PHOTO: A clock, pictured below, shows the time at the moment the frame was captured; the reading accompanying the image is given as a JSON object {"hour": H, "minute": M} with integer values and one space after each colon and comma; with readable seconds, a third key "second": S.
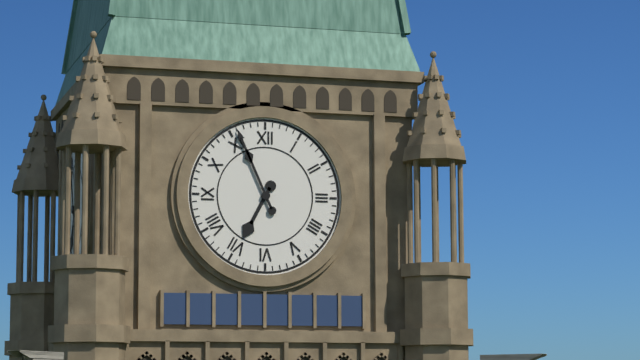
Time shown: {"hour": 6, "minute": 56}
